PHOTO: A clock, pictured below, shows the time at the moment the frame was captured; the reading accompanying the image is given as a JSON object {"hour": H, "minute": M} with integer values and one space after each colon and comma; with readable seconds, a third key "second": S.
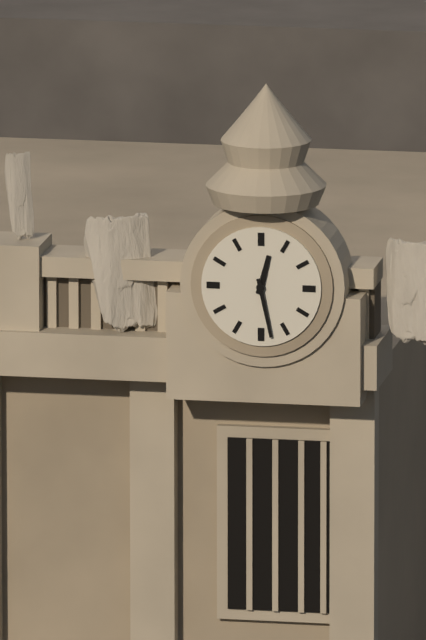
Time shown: {"hour": 12, "minute": 28}
